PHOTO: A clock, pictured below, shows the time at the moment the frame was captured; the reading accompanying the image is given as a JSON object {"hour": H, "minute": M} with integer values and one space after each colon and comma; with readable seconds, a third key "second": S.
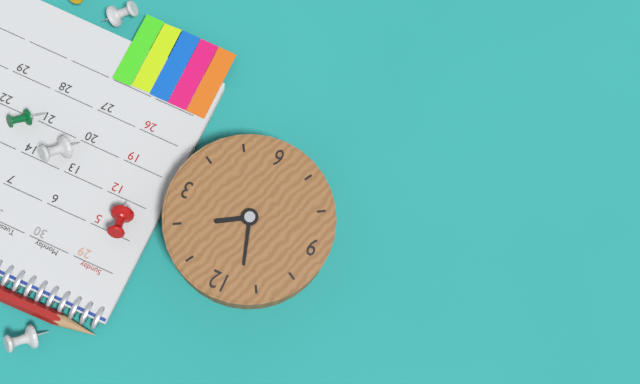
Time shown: {"hour": 1, "minute": 57}
